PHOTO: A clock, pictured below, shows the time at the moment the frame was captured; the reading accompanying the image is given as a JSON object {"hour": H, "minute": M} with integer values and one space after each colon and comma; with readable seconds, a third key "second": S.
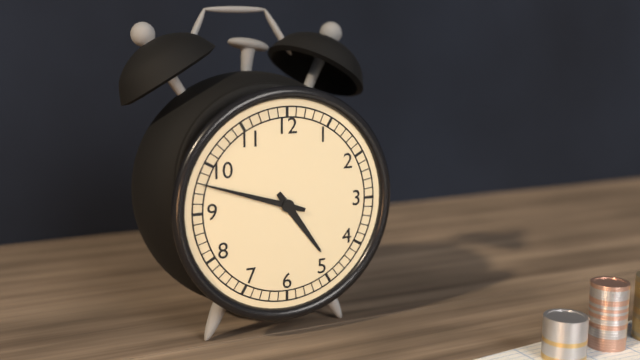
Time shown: {"hour": 4, "minute": 48}
